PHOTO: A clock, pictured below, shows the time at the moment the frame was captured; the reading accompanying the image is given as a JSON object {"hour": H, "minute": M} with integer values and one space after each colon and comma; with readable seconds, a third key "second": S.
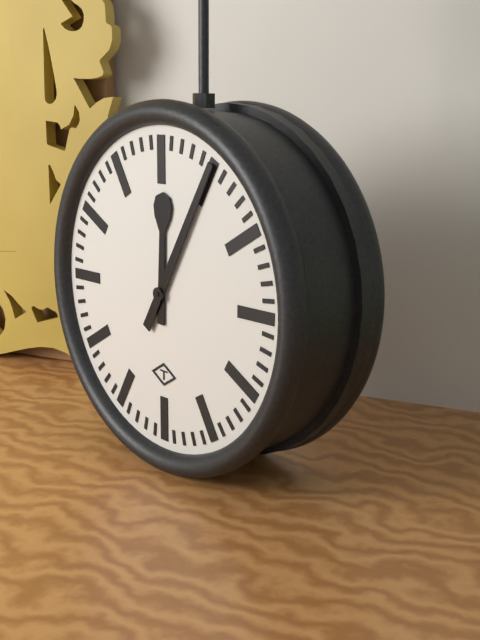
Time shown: {"hour": 12, "minute": 5}
